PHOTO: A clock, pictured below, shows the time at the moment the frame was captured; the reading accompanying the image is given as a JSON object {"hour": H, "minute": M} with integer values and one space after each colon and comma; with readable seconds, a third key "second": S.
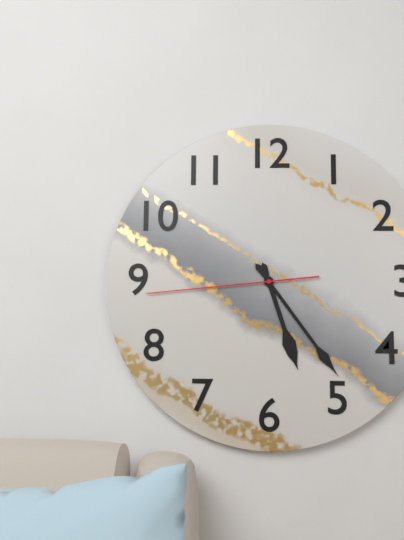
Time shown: {"hour": 5, "minute": 24, "second": 44}
